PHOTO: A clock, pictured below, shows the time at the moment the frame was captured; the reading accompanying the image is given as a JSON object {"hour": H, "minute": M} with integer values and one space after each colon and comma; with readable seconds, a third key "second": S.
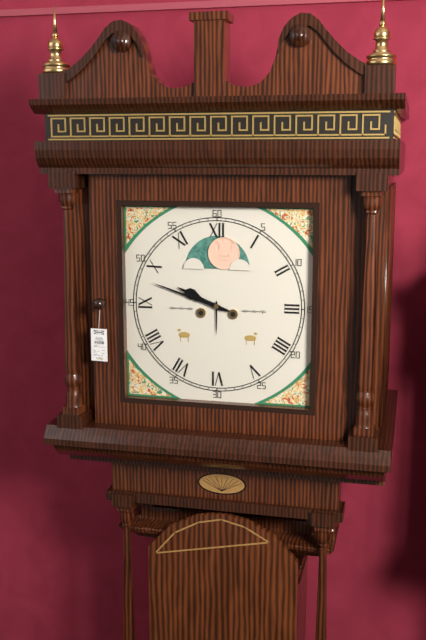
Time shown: {"hour": 9, "minute": 48}
